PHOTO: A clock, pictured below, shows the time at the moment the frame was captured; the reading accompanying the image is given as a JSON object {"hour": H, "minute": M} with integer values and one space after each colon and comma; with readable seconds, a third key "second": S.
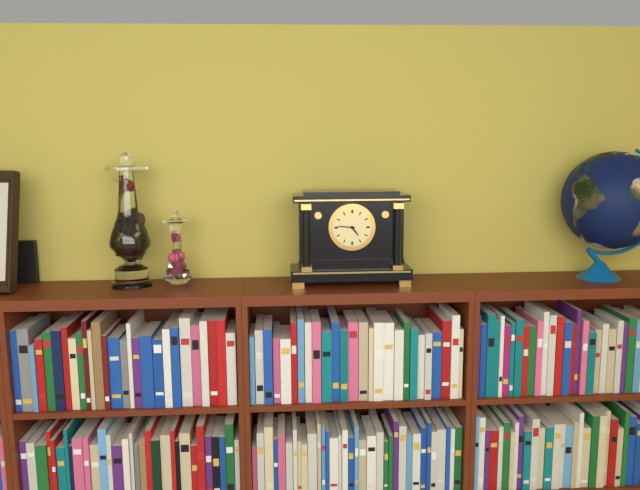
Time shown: {"hour": 4, "minute": 46}
